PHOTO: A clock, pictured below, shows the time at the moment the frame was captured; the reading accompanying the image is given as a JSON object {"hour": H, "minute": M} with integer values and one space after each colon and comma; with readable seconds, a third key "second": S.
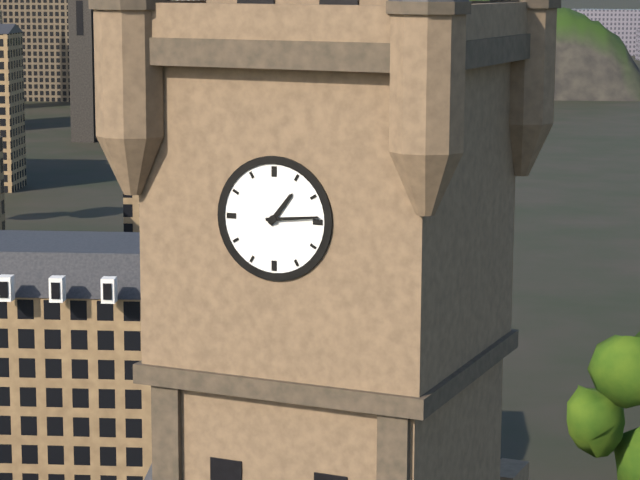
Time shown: {"hour": 1, "minute": 14}
